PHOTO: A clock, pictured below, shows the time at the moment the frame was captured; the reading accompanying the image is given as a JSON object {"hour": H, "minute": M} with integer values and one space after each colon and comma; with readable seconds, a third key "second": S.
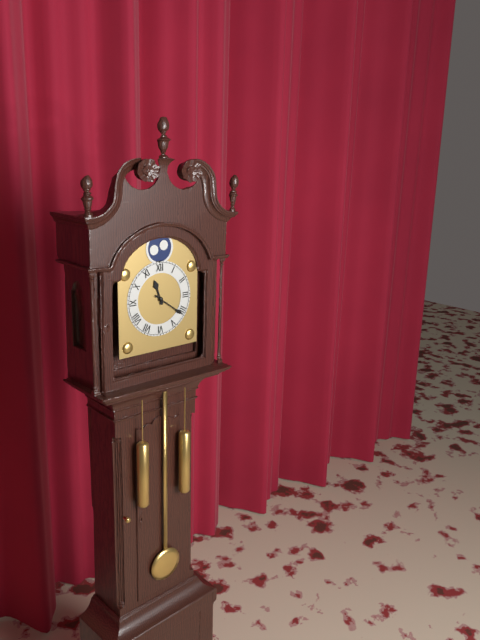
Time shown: {"hour": 11, "minute": 21}
